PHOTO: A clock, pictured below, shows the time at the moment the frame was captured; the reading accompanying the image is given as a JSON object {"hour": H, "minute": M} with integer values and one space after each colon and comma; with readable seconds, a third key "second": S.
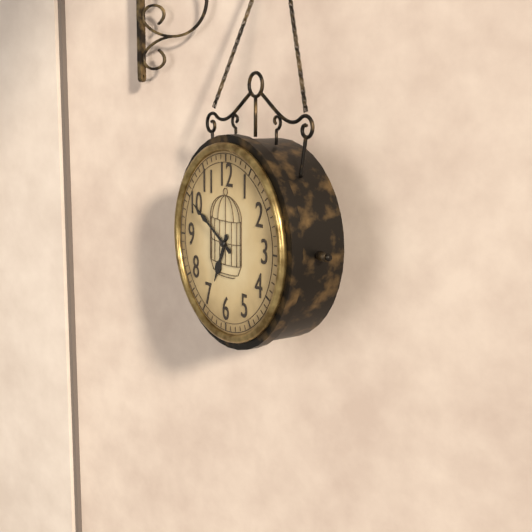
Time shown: {"hour": 6, "minute": 50}
